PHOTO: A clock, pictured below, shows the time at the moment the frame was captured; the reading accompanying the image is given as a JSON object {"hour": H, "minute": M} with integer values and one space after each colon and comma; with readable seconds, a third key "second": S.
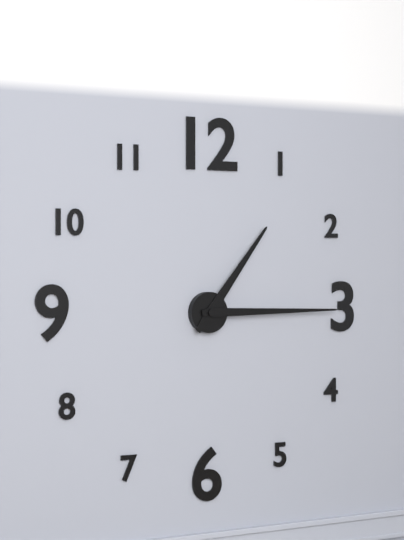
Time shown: {"hour": 1, "minute": 15}
